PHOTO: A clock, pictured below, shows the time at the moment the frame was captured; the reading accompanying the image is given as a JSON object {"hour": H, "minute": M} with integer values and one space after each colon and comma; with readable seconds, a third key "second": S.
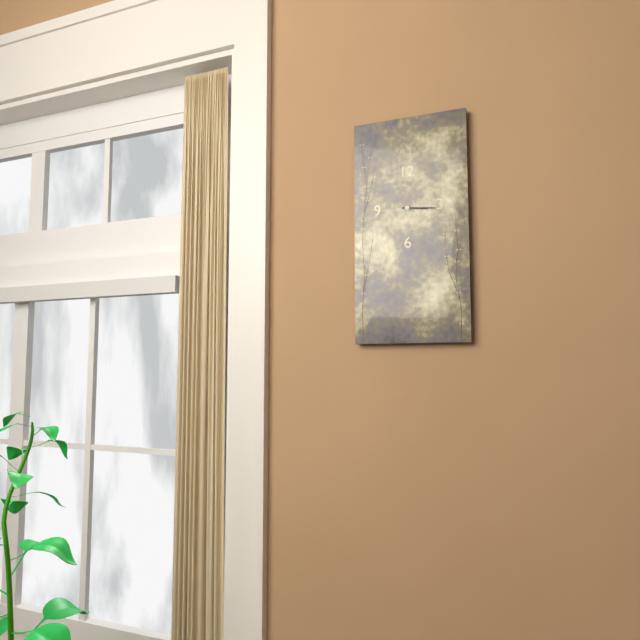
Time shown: {"hour": 3, "minute": 16}
